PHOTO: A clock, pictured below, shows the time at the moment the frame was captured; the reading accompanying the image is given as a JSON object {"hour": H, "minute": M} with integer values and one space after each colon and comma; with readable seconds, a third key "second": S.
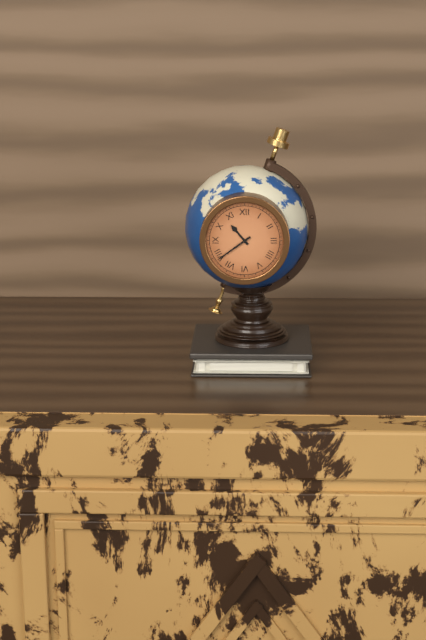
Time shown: {"hour": 10, "minute": 39}
